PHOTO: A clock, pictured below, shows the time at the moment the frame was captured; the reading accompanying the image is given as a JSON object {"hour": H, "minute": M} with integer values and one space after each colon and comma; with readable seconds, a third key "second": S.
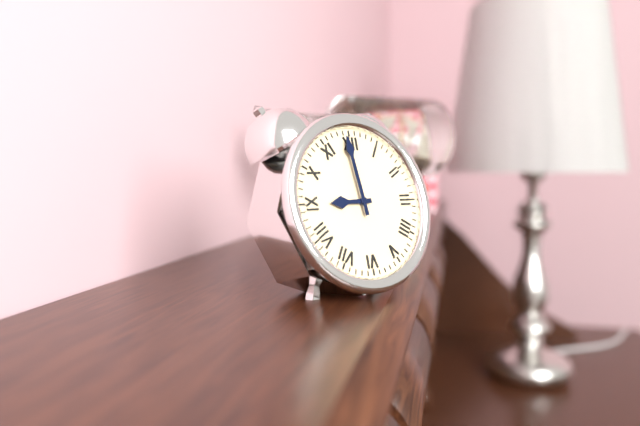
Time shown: {"hour": 8, "minute": 59}
